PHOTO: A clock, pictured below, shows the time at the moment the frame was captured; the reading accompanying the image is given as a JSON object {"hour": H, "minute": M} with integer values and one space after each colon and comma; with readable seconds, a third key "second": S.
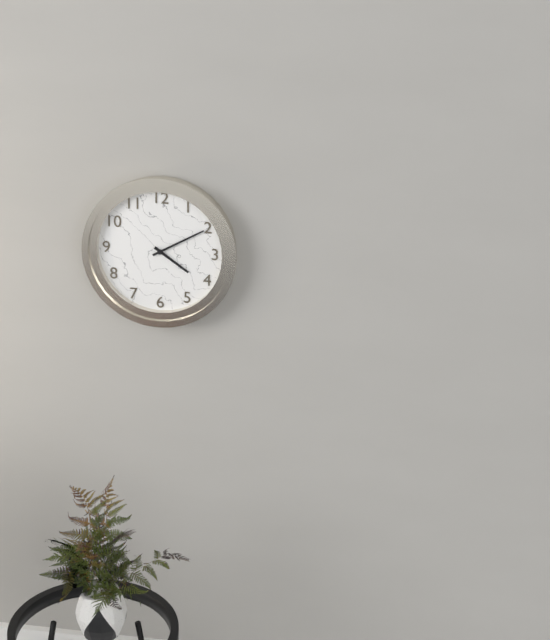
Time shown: {"hour": 4, "minute": 10}
